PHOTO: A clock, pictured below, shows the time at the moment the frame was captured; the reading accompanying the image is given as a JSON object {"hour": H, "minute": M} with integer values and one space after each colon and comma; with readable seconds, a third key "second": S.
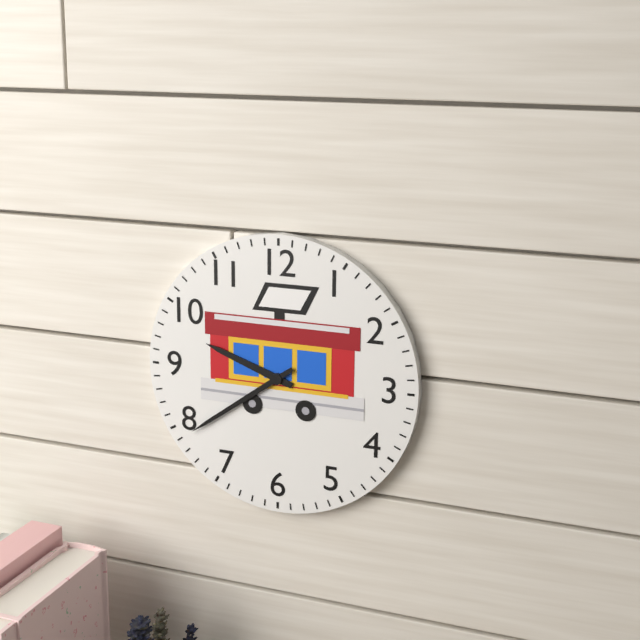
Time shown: {"hour": 9, "minute": 39}
